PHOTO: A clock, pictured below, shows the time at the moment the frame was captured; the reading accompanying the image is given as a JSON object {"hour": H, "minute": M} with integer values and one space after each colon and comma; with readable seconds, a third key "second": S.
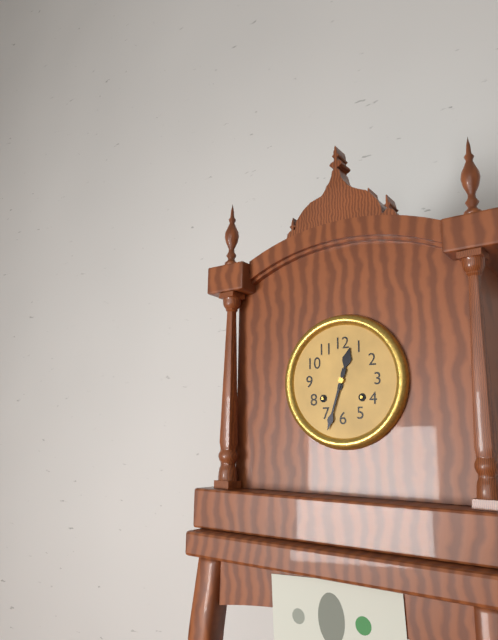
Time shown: {"hour": 12, "minute": 33}
